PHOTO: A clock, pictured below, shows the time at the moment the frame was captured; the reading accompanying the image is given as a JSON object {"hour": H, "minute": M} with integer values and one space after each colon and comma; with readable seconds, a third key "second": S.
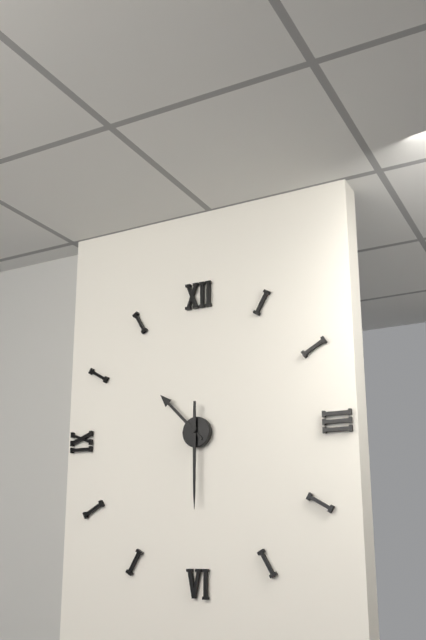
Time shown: {"hour": 10, "minute": 30}
